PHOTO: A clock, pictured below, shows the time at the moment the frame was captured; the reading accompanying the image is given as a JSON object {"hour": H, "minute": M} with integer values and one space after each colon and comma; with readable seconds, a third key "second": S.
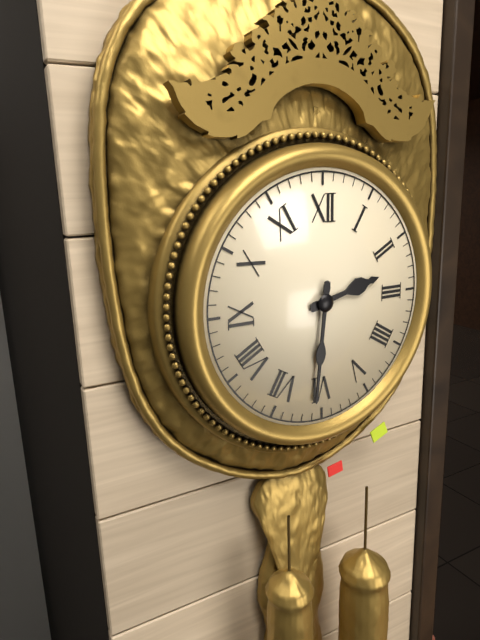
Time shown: {"hour": 2, "minute": 31}
